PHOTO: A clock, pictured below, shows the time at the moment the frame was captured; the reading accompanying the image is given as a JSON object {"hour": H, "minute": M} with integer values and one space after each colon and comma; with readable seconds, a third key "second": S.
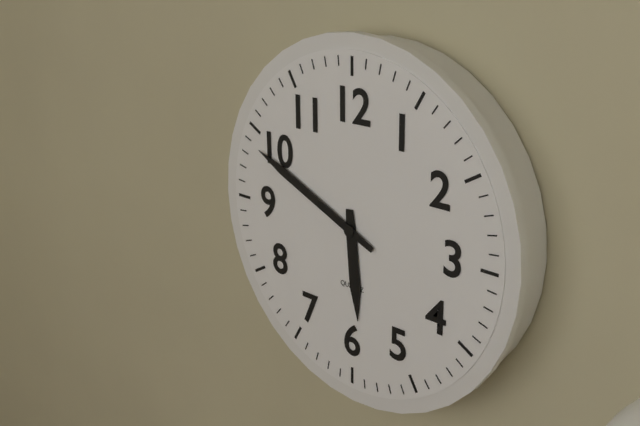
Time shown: {"hour": 5, "minute": 49}
